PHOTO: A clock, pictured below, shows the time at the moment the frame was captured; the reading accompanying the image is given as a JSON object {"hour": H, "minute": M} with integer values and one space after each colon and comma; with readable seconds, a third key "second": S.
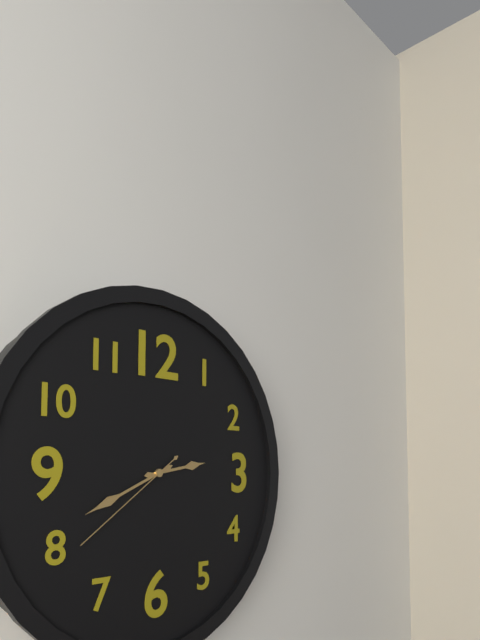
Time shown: {"hour": 2, "minute": 41, "second": 39}
